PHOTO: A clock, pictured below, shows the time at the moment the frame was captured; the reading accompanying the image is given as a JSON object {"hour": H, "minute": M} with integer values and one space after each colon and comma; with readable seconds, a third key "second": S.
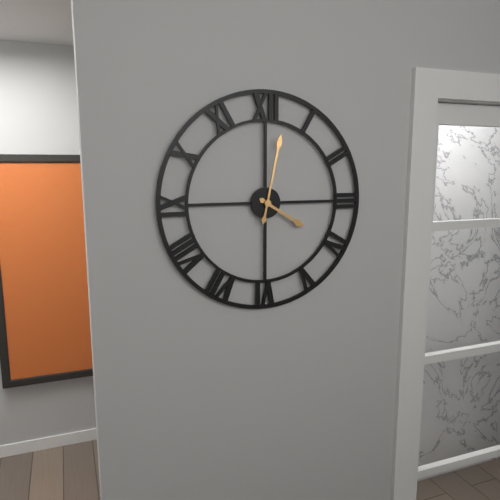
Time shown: {"hour": 4, "minute": 2}
